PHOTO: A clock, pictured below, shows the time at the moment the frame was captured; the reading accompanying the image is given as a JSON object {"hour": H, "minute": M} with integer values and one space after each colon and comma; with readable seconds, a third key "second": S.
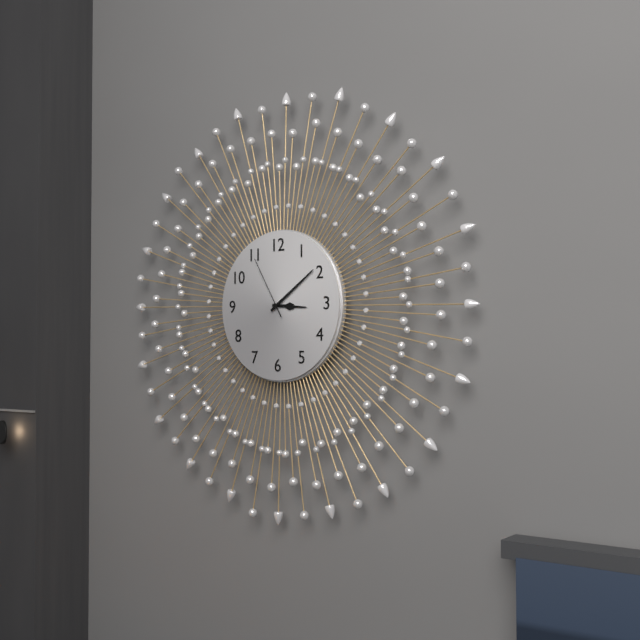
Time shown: {"hour": 3, "minute": 9, "second": 55}
